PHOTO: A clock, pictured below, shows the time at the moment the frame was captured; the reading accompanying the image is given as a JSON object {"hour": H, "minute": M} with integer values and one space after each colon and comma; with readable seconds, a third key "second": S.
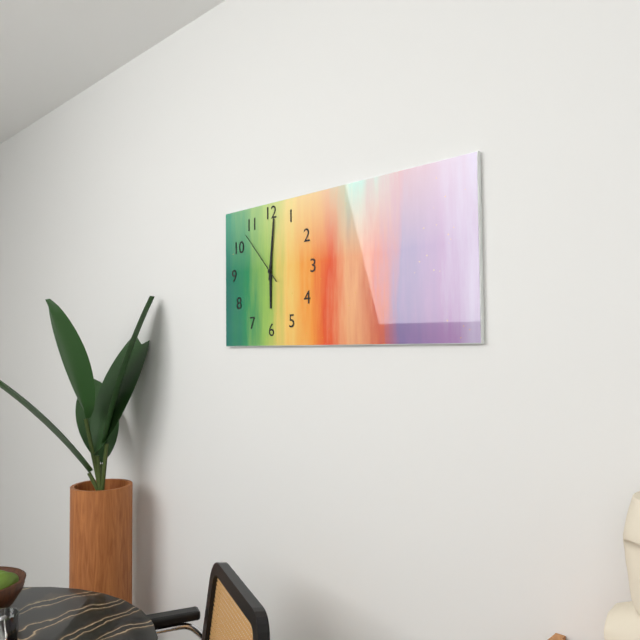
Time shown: {"hour": 6, "minute": 1, "second": 53}
